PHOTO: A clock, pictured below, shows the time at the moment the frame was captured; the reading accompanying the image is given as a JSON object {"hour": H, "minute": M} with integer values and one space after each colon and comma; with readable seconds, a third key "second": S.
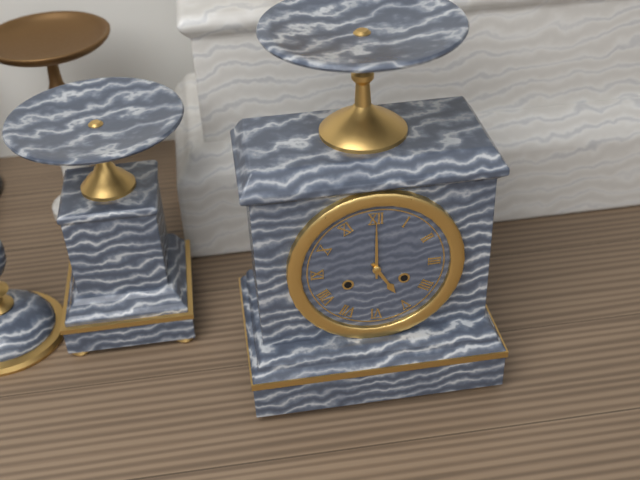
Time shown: {"hour": 5, "minute": 0}
